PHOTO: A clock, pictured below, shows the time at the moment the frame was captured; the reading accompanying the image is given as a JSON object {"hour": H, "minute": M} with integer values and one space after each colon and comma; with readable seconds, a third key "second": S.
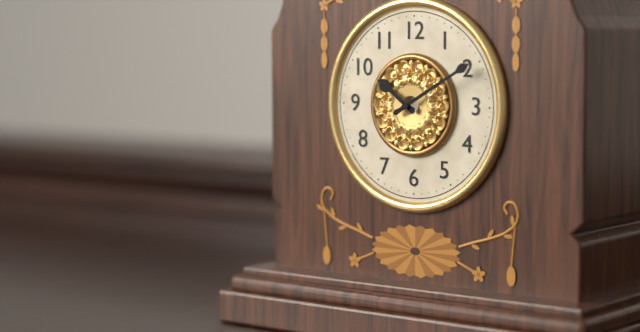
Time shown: {"hour": 10, "minute": 10}
